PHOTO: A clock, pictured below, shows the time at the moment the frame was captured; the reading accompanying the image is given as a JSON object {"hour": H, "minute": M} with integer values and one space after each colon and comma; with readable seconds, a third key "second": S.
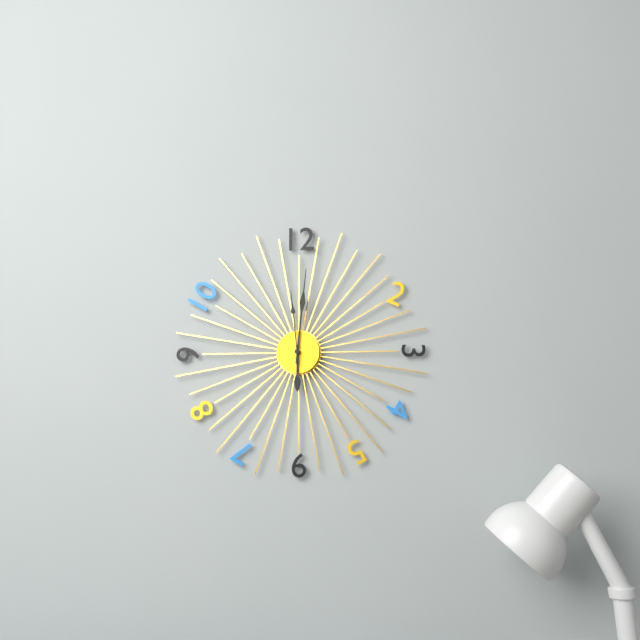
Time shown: {"hour": 6, "minute": 1, "second": 59}
